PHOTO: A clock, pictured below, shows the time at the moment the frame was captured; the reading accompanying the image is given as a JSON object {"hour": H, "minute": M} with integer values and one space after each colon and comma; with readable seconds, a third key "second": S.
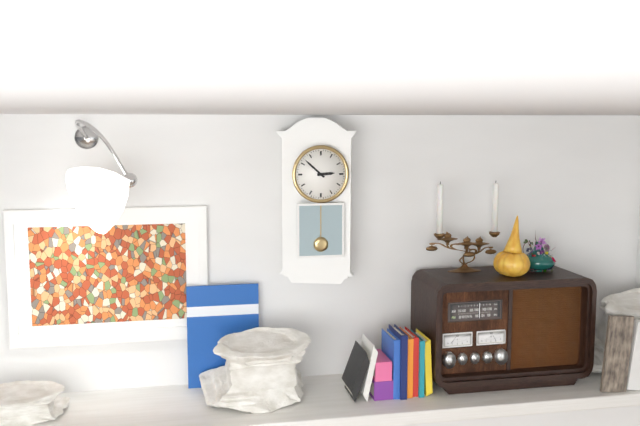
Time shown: {"hour": 2, "minute": 52}
